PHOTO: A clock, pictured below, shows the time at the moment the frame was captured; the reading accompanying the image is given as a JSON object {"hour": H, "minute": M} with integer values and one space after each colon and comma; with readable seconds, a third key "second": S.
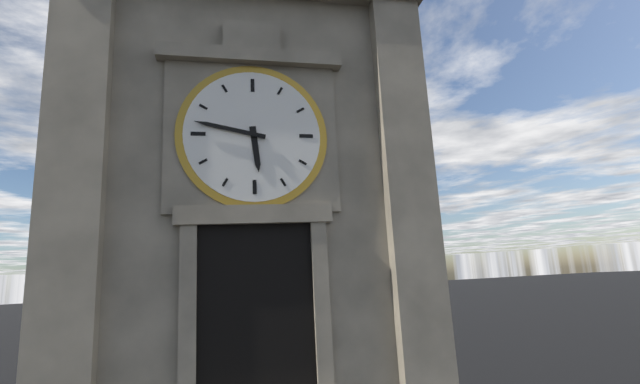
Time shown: {"hour": 5, "minute": 47}
